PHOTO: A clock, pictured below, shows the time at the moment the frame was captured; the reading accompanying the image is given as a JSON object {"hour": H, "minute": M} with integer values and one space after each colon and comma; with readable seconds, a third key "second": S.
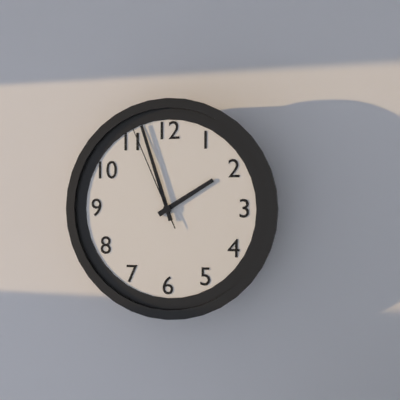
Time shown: {"hour": 1, "minute": 57, "second": 56}
